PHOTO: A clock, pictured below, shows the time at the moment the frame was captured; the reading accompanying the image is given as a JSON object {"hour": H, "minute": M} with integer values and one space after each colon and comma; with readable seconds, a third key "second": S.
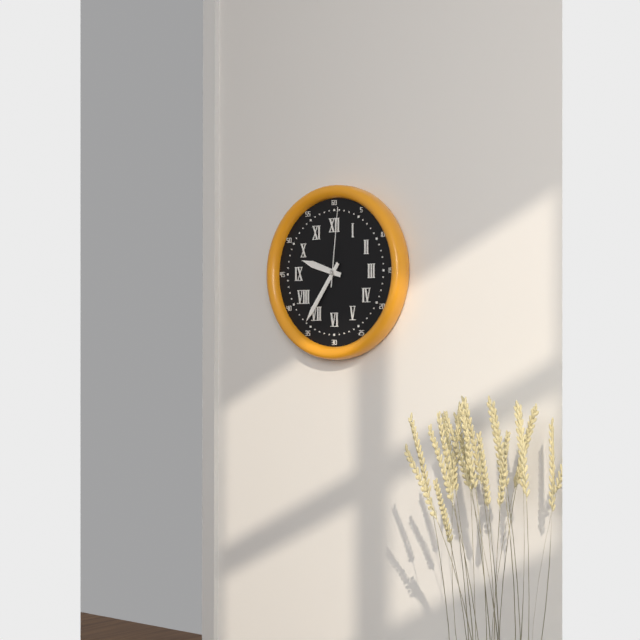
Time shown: {"hour": 9, "minute": 36, "second": 1}
